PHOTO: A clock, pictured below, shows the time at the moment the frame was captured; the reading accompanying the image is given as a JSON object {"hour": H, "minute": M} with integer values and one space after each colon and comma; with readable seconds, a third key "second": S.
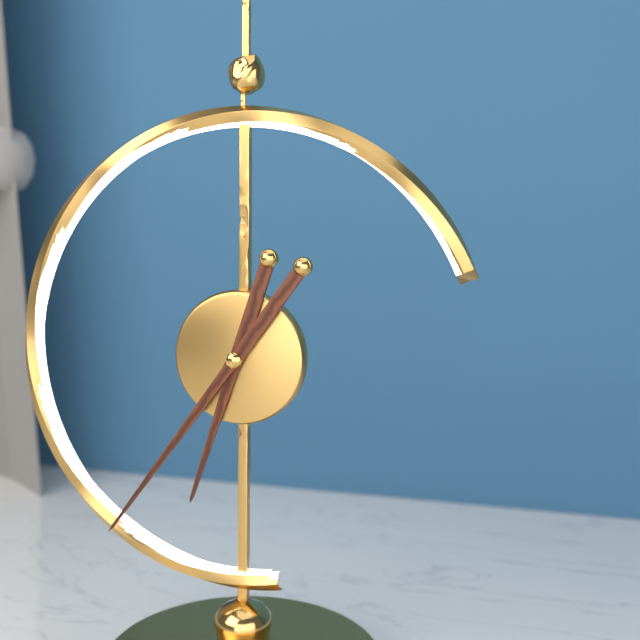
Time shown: {"hour": 6, "minute": 36}
